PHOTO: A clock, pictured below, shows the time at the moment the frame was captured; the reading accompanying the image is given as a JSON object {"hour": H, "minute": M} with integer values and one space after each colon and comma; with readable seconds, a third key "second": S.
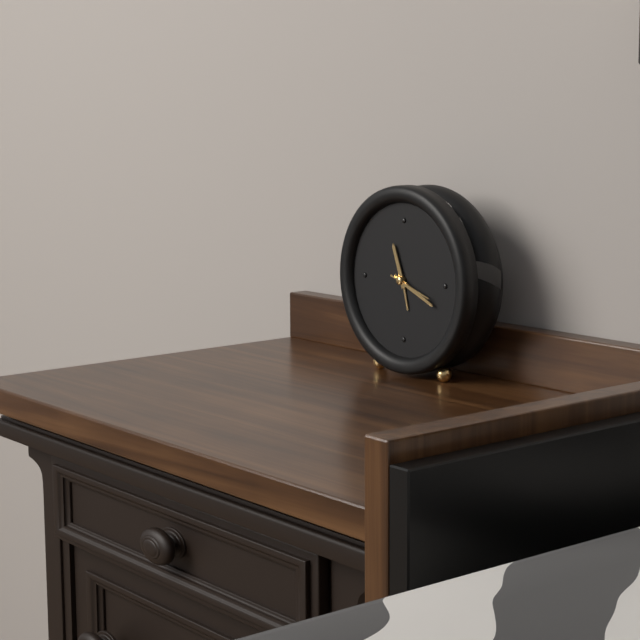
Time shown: {"hour": 11, "minute": 19}
